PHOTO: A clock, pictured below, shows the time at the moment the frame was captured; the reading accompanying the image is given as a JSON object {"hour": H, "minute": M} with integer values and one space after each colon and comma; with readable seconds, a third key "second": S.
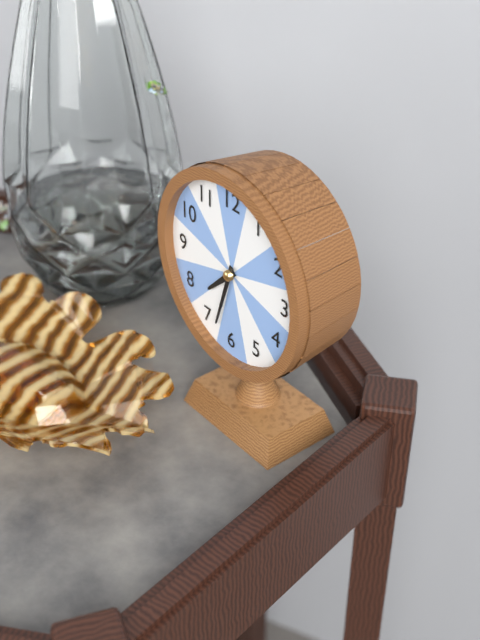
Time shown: {"hour": 7, "minute": 33}
